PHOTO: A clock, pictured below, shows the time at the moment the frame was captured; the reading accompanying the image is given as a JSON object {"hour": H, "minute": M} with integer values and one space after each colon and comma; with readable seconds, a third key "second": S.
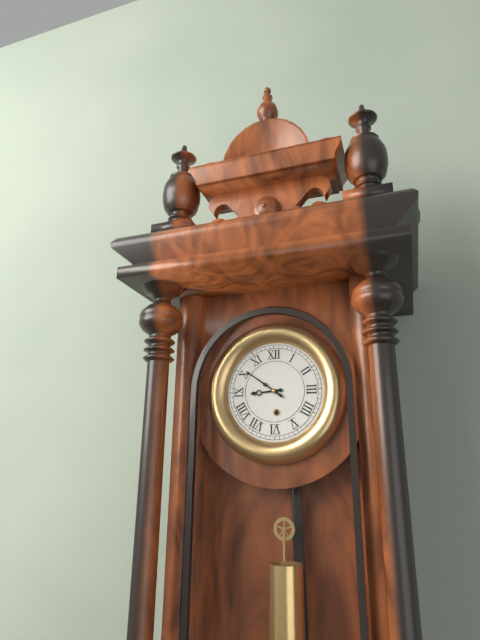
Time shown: {"hour": 8, "minute": 51}
